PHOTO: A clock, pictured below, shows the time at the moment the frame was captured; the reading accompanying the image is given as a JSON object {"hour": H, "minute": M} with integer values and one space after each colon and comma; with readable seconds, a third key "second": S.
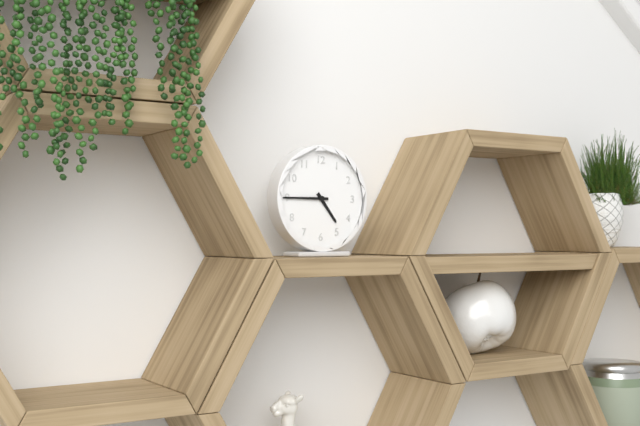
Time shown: {"hour": 4, "minute": 45}
